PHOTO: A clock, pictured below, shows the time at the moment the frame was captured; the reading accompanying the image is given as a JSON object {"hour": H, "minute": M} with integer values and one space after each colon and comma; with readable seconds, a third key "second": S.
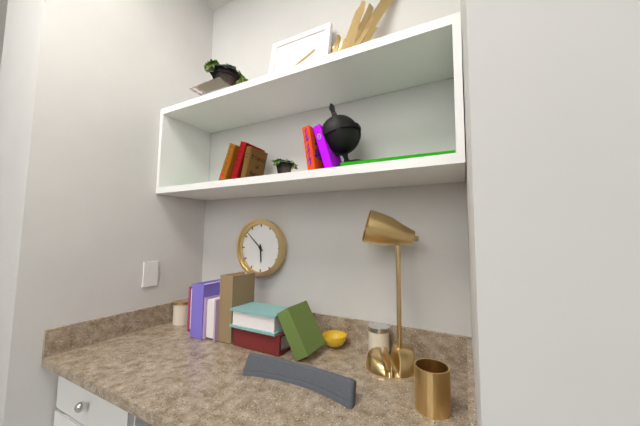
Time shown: {"hour": 5, "minute": 52}
